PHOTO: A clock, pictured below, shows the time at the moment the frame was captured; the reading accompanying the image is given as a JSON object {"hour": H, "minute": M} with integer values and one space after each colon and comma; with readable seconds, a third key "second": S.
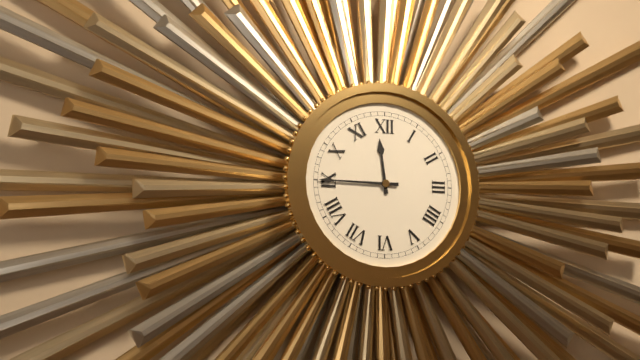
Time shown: {"hour": 11, "minute": 45}
